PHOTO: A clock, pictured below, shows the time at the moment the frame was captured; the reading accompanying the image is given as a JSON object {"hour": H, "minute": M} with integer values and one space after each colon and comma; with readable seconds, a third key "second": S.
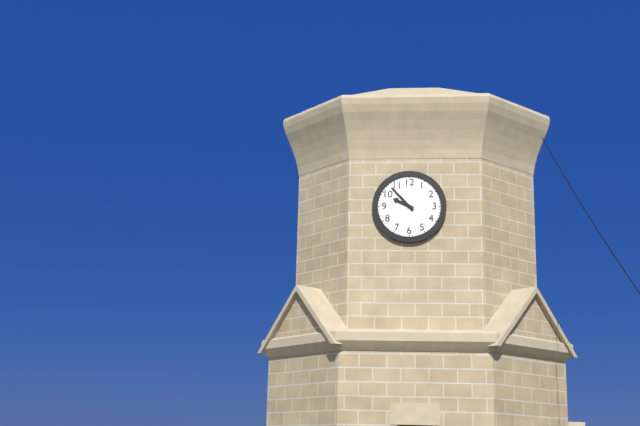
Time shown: {"hour": 9, "minute": 53}
